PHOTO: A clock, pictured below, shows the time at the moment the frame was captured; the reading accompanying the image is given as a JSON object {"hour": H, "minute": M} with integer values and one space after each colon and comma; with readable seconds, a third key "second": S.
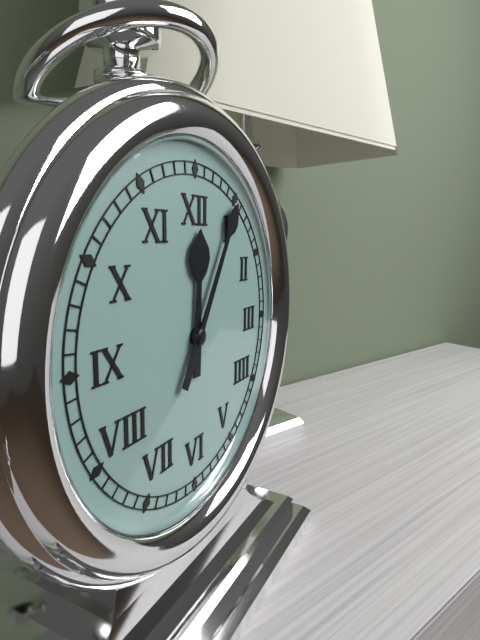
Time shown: {"hour": 12, "minute": 5}
